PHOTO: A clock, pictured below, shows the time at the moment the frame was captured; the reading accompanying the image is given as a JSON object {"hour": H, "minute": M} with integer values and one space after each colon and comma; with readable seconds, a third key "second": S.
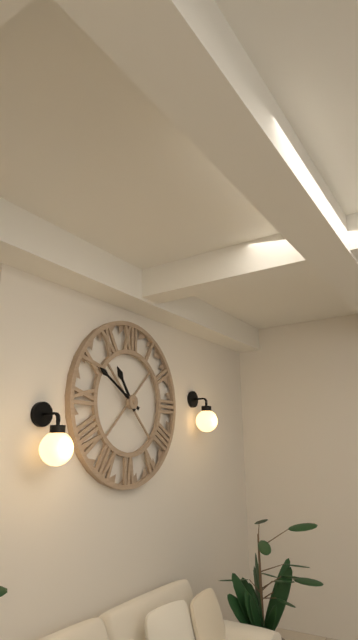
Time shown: {"hour": 10, "minute": 50}
